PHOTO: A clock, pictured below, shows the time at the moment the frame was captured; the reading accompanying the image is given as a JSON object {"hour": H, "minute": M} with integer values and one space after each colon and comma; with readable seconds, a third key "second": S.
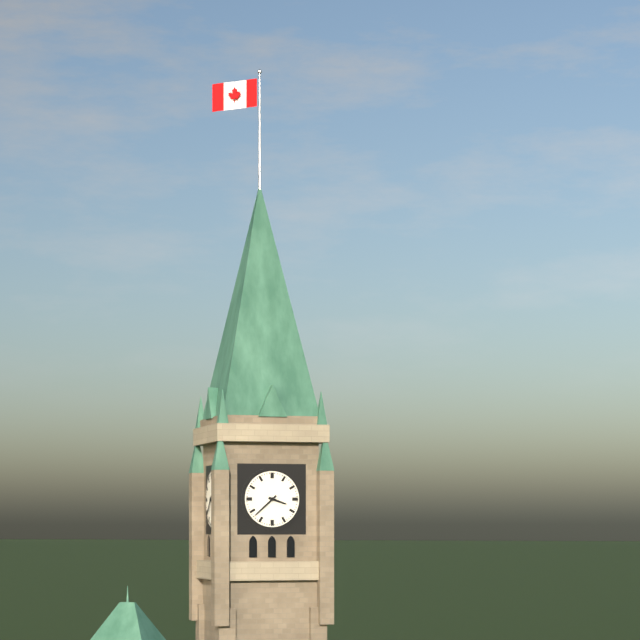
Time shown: {"hour": 3, "minute": 38}
